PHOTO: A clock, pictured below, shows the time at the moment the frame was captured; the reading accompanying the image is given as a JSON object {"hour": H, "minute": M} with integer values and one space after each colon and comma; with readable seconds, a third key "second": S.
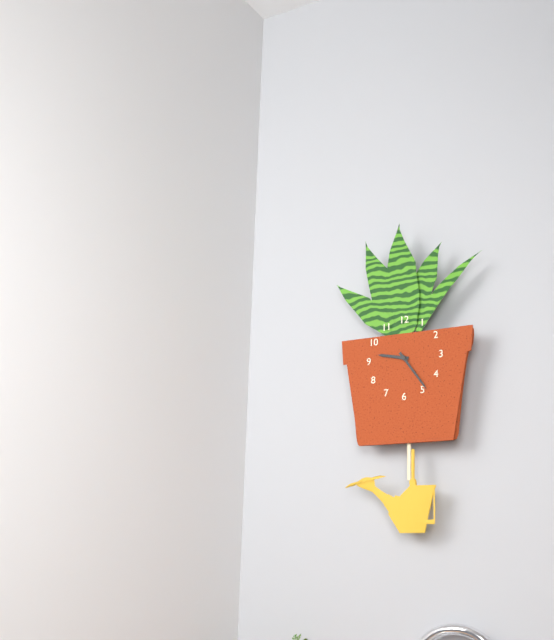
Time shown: {"hour": 9, "minute": 24}
